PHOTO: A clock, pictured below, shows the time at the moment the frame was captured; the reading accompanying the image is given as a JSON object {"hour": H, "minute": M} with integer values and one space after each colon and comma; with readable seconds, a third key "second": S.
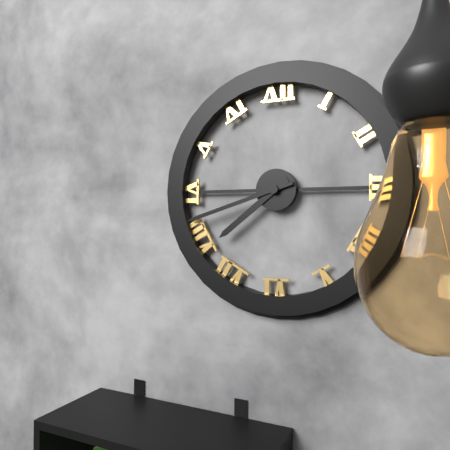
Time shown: {"hour": 7, "minute": 42}
